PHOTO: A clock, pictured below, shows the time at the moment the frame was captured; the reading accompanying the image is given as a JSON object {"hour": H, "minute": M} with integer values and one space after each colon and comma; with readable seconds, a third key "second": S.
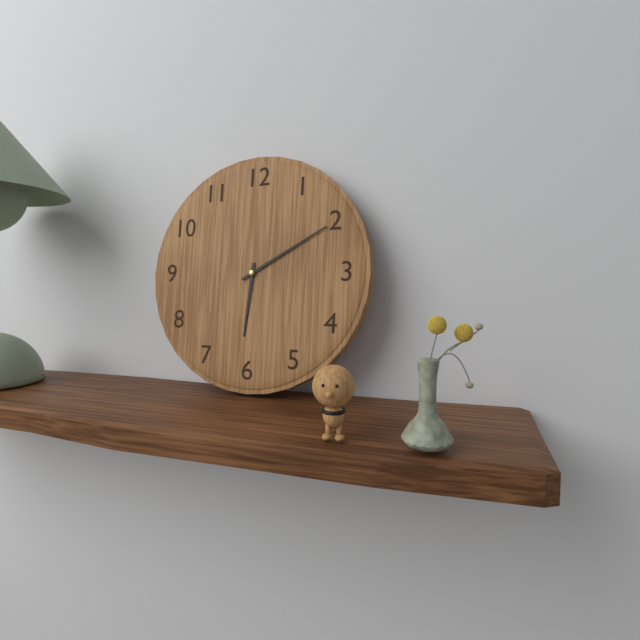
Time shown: {"hour": 6, "minute": 10}
